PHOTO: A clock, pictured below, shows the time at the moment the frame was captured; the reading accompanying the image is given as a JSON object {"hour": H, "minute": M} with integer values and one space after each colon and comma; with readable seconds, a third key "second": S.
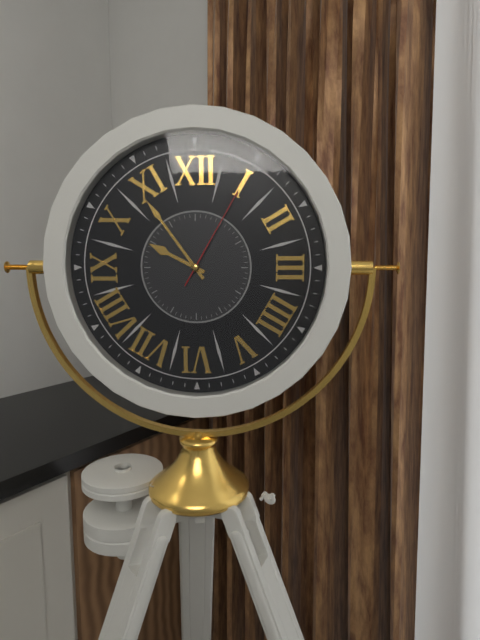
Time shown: {"hour": 9, "minute": 54, "second": 5}
